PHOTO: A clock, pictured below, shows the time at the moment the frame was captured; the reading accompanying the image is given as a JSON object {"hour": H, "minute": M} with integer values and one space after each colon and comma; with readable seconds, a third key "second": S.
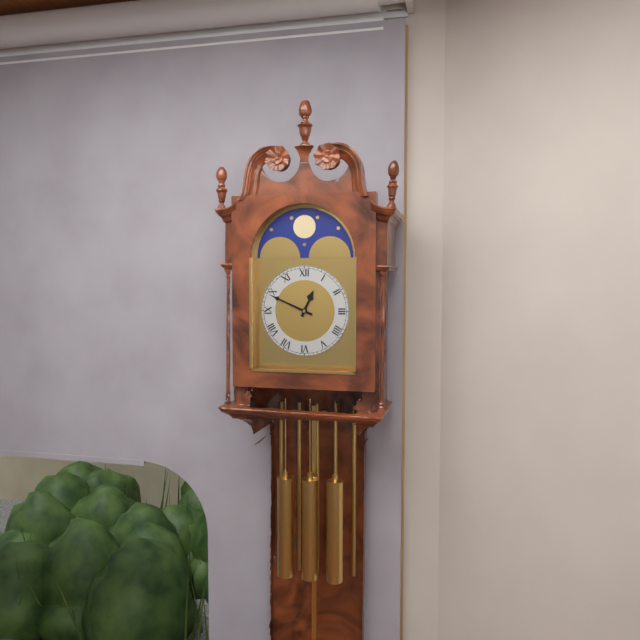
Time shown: {"hour": 12, "minute": 49}
